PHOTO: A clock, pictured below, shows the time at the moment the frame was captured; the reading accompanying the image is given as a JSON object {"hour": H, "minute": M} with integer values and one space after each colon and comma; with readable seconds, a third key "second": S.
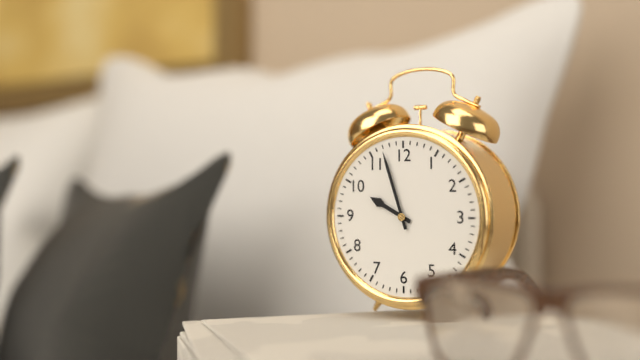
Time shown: {"hour": 9, "minute": 57}
